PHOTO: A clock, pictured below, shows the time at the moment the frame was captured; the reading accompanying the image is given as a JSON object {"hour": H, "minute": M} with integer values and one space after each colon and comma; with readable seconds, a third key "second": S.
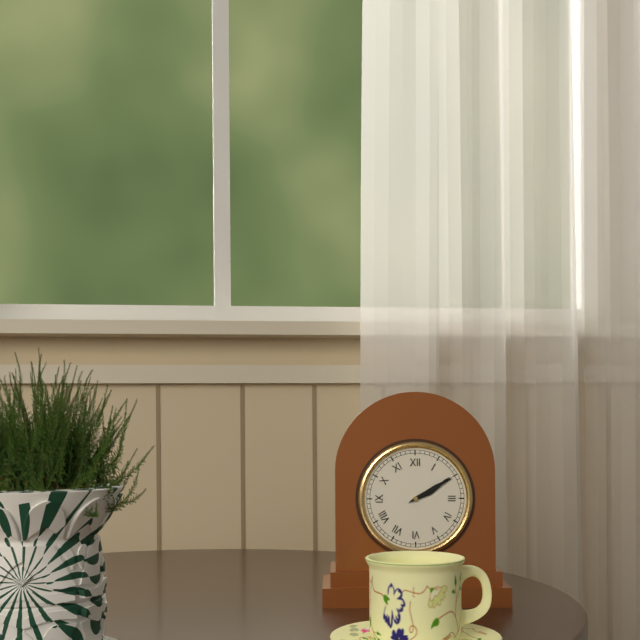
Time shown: {"hour": 2, "minute": 10}
